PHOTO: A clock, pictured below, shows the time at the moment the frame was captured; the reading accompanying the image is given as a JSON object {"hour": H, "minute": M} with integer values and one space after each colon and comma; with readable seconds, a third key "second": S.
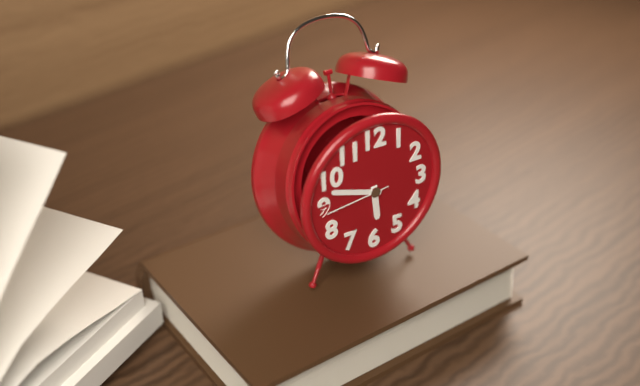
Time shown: {"hour": 5, "minute": 48, "second": 44}
